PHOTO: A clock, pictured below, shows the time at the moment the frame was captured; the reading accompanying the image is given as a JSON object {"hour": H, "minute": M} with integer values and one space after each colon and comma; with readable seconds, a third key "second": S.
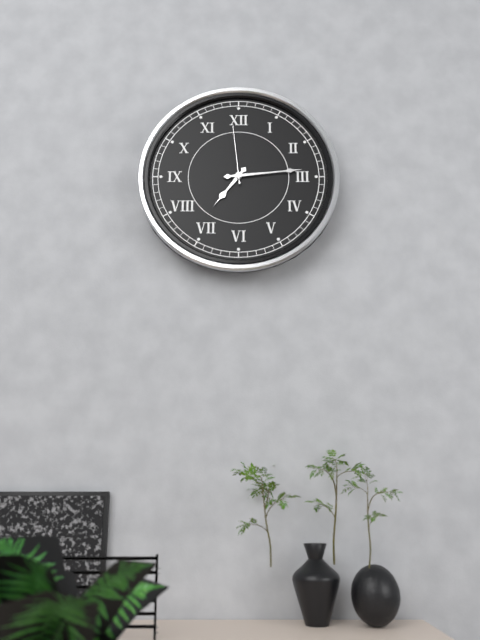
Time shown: {"hour": 7, "minute": 14, "second": 59}
